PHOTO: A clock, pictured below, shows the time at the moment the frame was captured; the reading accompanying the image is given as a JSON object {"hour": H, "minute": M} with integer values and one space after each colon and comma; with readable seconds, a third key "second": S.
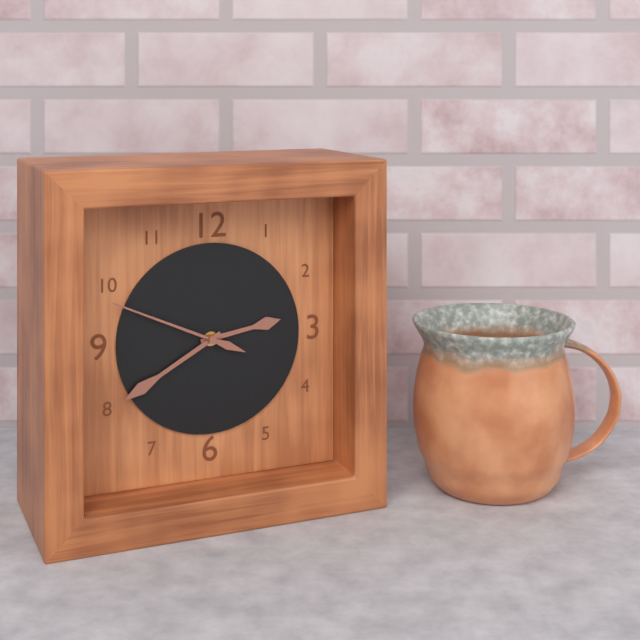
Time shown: {"hour": 2, "minute": 40, "second": 49}
